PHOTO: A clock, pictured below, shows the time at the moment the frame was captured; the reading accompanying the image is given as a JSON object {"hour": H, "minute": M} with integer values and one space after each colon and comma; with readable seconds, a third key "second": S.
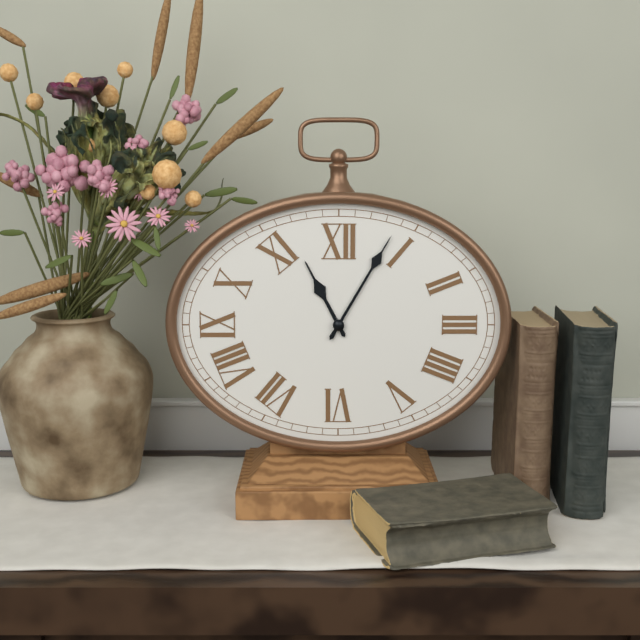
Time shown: {"hour": 11, "minute": 5}
